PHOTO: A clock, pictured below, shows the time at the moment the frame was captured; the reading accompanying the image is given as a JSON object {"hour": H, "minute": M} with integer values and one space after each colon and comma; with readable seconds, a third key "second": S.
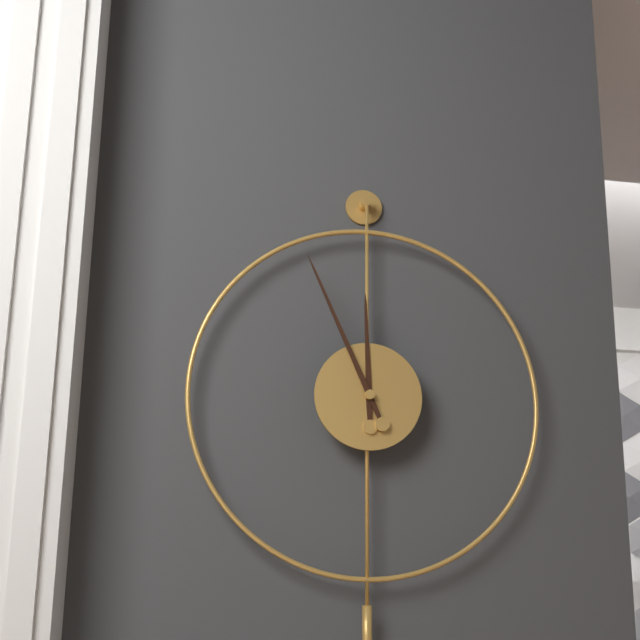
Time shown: {"hour": 11, "minute": 56}
